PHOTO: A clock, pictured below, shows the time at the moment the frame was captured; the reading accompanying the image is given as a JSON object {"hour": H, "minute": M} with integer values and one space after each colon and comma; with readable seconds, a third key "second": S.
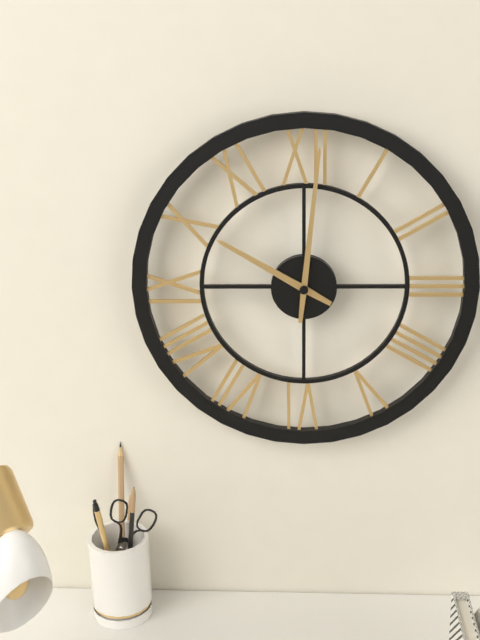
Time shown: {"hour": 10, "minute": 1}
